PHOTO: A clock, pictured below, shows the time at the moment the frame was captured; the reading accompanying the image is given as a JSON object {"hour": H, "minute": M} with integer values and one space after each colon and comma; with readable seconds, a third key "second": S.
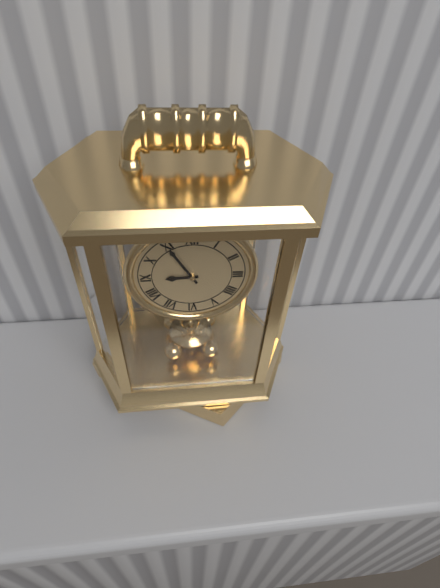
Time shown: {"hour": 8, "minute": 55}
